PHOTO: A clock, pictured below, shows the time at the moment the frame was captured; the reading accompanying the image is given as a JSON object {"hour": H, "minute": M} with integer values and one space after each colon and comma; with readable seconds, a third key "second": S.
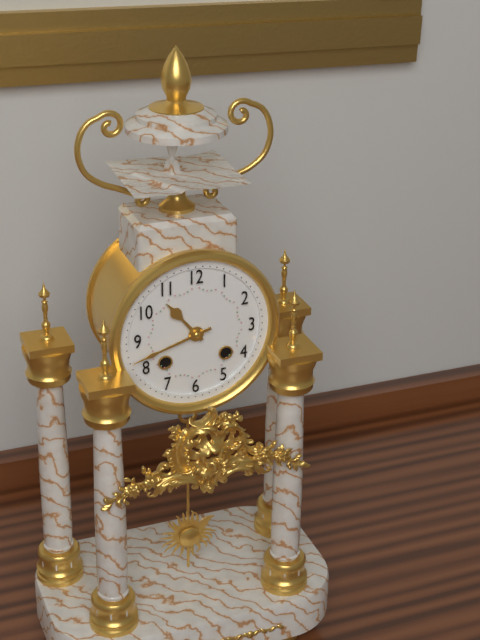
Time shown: {"hour": 10, "minute": 42}
